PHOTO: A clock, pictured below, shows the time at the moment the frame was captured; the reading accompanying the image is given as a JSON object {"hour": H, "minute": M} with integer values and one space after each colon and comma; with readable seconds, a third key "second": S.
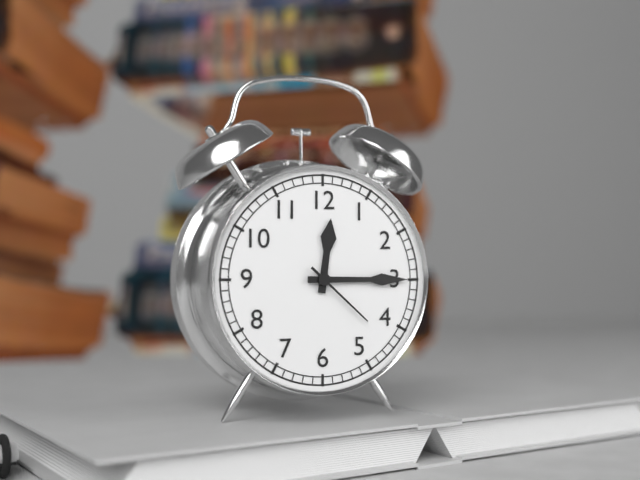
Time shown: {"hour": 12, "minute": 15, "second": 22}
